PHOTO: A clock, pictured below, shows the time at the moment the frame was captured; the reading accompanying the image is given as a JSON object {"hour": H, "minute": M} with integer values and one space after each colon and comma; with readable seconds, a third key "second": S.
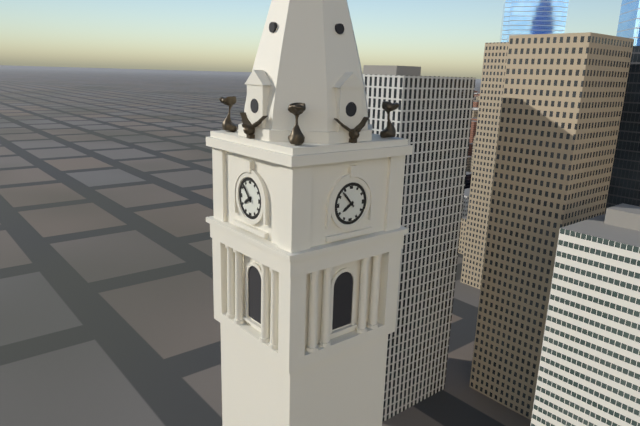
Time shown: {"hour": 7, "minute": 53}
